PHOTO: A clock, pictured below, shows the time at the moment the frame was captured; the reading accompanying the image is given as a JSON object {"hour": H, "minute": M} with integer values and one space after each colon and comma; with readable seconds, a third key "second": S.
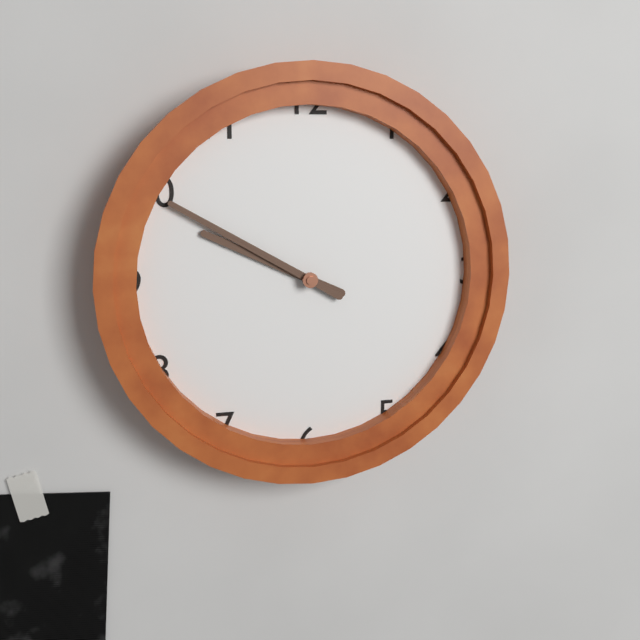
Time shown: {"hour": 9, "minute": 50}
